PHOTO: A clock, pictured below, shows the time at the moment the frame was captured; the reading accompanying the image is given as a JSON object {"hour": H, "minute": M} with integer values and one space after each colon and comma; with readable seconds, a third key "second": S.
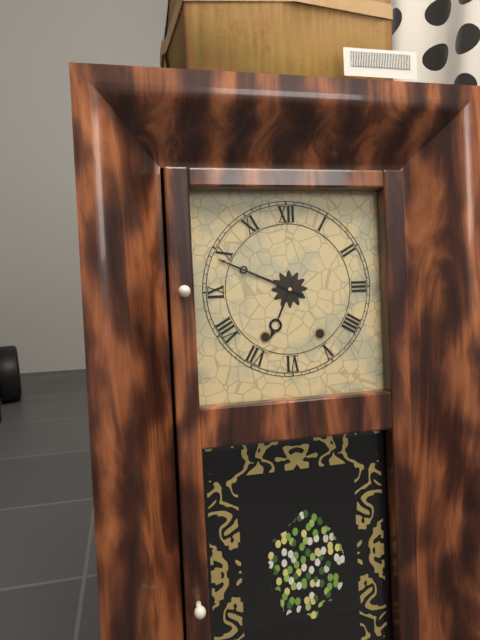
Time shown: {"hour": 6, "minute": 49}
